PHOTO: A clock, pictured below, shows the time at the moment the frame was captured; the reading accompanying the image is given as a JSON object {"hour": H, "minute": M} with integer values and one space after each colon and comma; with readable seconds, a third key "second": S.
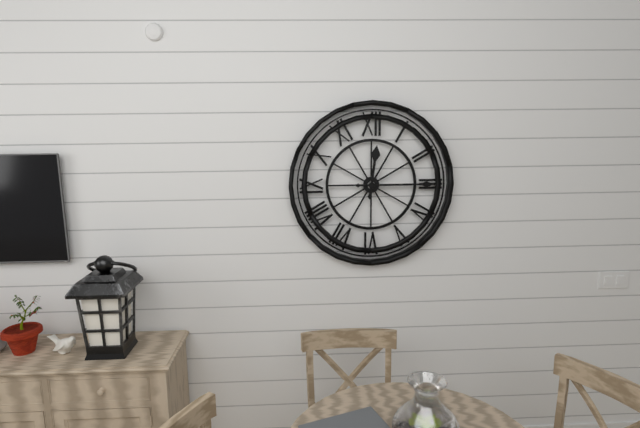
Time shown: {"hour": 12, "minute": 15}
